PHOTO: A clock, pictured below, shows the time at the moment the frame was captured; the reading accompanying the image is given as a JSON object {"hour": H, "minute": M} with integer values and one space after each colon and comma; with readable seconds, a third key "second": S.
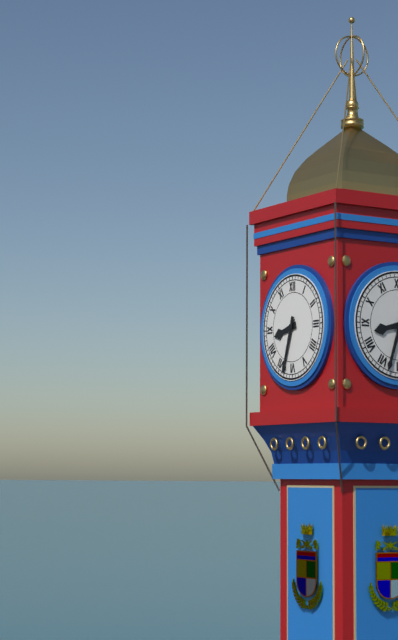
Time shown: {"hour": 8, "minute": 33}
